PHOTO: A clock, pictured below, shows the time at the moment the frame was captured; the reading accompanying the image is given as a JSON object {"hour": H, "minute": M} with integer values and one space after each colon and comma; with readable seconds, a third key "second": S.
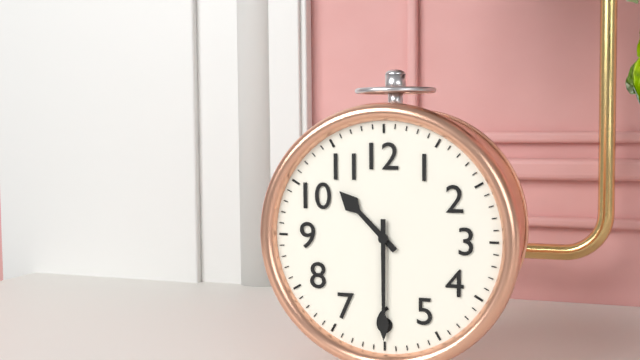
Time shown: {"hour": 10, "minute": 30}
